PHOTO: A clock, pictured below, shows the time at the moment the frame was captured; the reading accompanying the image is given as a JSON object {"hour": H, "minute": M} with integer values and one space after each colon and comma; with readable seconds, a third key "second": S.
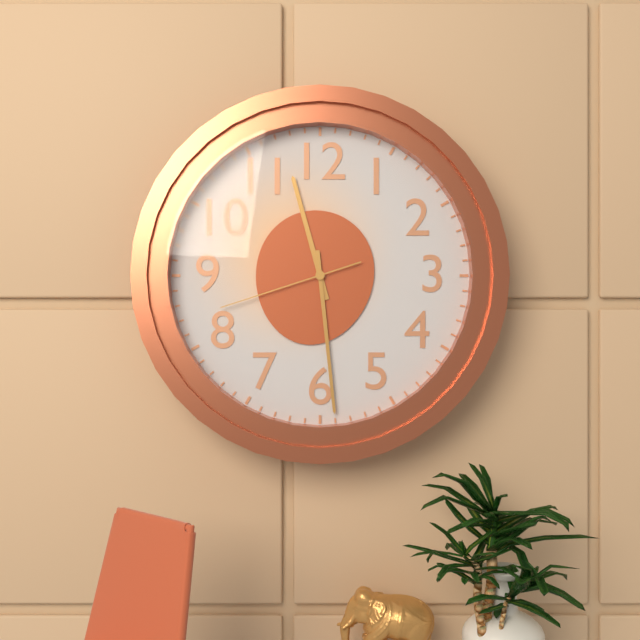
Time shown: {"hour": 11, "minute": 29, "second": 42}
